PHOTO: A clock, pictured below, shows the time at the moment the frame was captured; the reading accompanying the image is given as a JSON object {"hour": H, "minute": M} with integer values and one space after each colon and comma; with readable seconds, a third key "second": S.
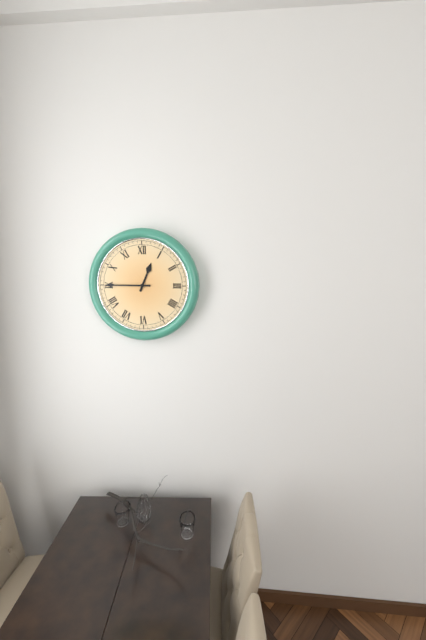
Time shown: {"hour": 12, "minute": 45}
